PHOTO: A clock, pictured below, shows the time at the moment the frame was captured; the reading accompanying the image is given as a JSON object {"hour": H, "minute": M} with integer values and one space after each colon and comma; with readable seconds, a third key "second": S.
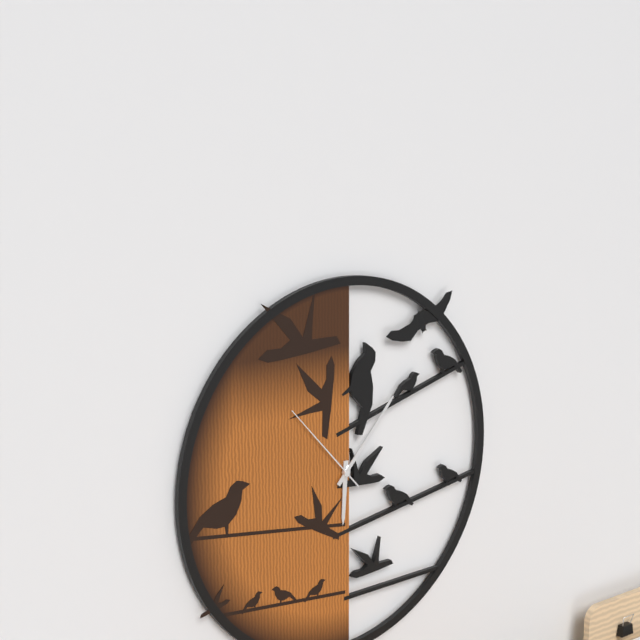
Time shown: {"hour": 6, "minute": 7, "second": 53}
